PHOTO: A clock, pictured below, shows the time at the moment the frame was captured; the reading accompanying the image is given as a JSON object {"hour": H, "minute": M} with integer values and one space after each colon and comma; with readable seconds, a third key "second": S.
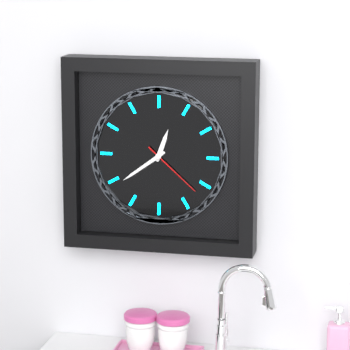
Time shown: {"hour": 12, "minute": 39, "second": 22}
